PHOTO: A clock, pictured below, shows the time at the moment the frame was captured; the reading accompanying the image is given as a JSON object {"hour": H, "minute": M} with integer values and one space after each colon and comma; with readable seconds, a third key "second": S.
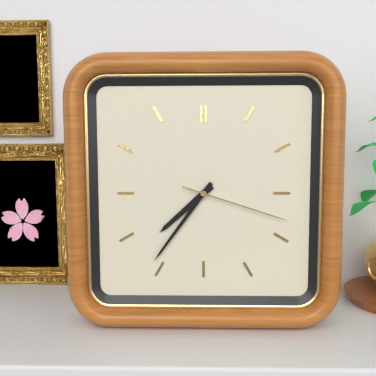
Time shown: {"hour": 7, "minute": 36, "second": 18}
